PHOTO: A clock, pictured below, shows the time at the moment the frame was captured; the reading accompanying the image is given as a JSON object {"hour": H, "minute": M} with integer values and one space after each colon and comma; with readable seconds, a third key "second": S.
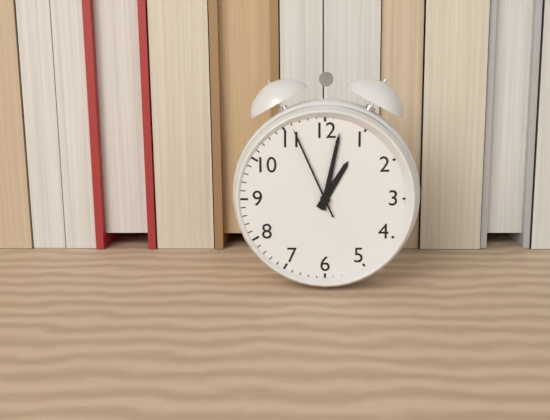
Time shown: {"hour": 1, "minute": 2, "second": 56}
